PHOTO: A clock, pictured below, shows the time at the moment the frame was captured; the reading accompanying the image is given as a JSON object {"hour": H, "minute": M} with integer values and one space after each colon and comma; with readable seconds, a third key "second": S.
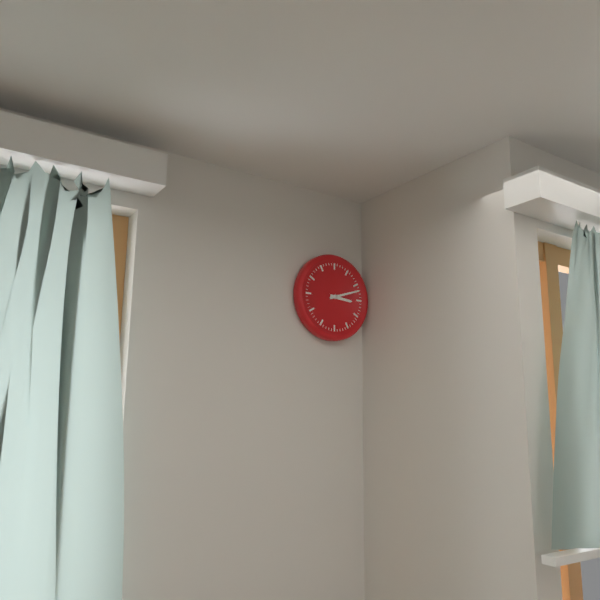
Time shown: {"hour": 3, "minute": 12}
